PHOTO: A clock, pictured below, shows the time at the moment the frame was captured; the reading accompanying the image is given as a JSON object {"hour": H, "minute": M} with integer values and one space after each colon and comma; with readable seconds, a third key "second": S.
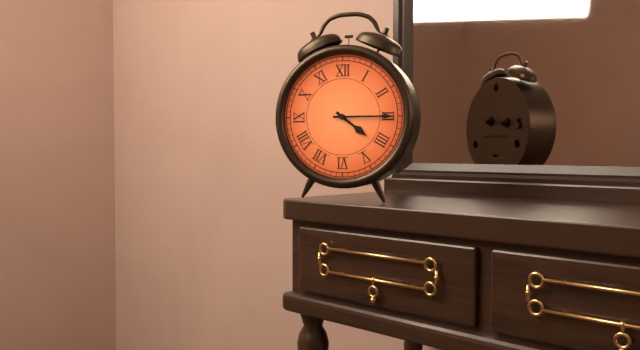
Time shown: {"hour": 4, "minute": 15}
